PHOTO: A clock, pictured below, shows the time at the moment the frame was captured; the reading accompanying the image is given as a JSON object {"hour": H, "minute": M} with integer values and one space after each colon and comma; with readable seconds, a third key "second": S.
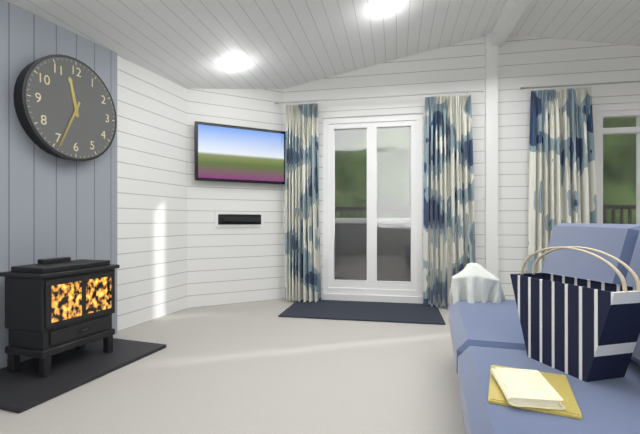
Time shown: {"hour": 11, "minute": 34}
